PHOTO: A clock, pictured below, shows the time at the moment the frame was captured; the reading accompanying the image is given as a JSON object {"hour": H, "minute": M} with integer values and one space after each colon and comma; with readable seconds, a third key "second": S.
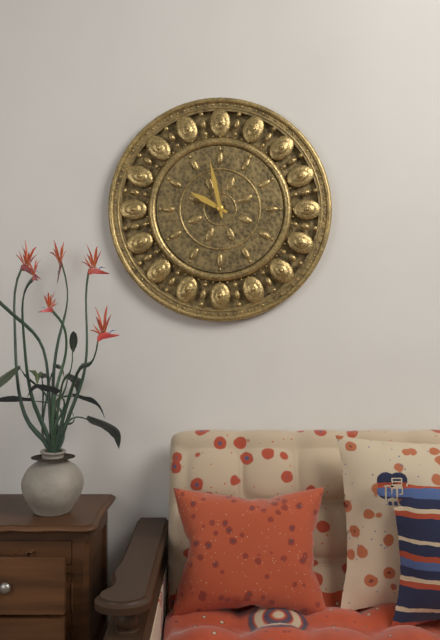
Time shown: {"hour": 9, "minute": 58}
